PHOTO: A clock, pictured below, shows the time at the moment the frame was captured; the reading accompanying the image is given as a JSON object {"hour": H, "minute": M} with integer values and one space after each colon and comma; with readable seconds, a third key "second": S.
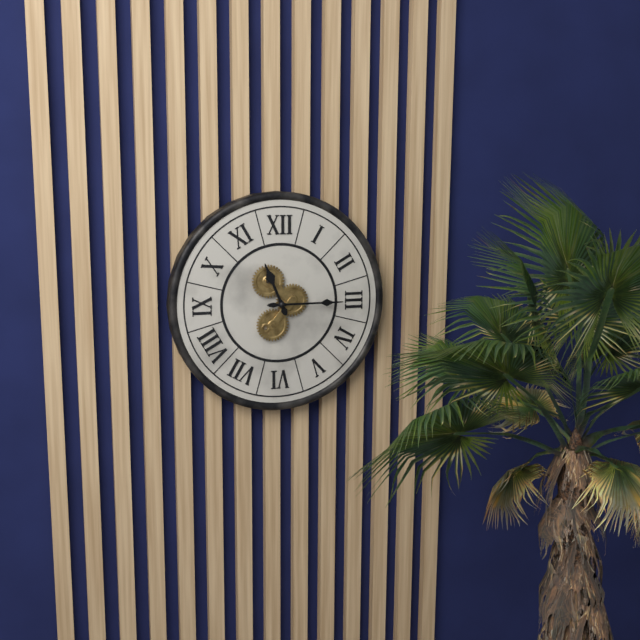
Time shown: {"hour": 11, "minute": 15}
